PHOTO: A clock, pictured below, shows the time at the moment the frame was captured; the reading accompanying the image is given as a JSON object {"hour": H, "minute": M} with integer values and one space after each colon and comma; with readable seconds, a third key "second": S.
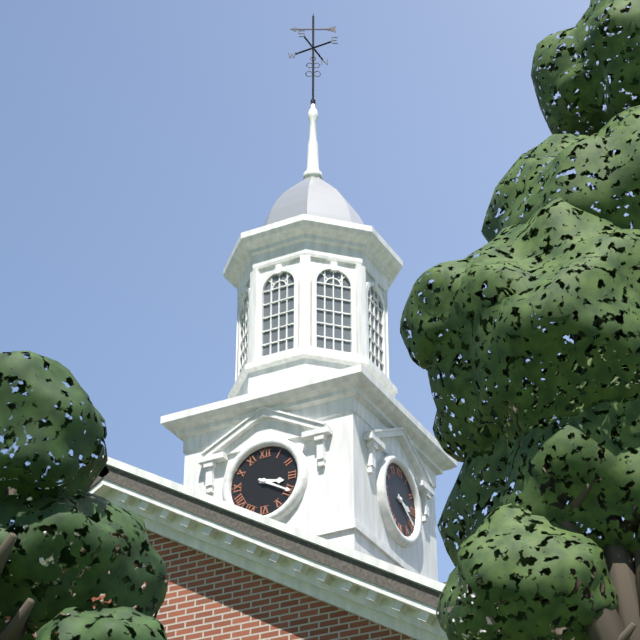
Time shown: {"hour": 3, "minute": 20}
